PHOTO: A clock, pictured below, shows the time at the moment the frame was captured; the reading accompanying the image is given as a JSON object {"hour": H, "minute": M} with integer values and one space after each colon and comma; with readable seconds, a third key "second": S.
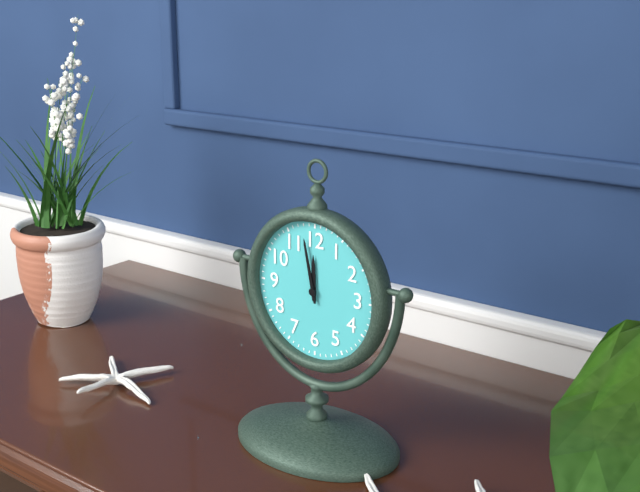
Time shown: {"hour": 11, "minute": 58}
